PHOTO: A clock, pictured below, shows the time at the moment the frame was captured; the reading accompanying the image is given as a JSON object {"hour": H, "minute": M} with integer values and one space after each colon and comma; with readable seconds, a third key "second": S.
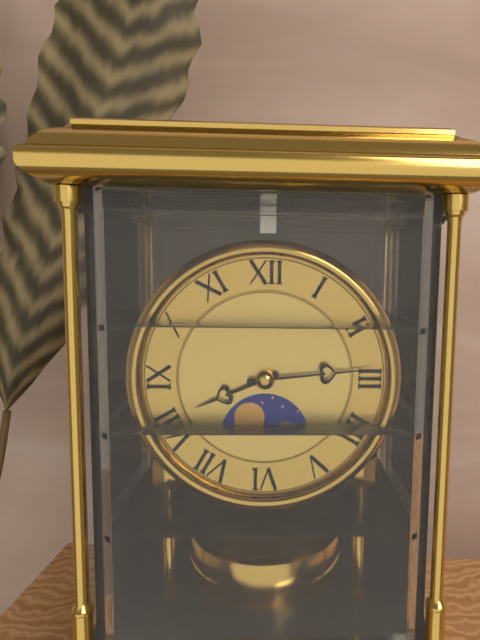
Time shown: {"hour": 8, "minute": 14}
